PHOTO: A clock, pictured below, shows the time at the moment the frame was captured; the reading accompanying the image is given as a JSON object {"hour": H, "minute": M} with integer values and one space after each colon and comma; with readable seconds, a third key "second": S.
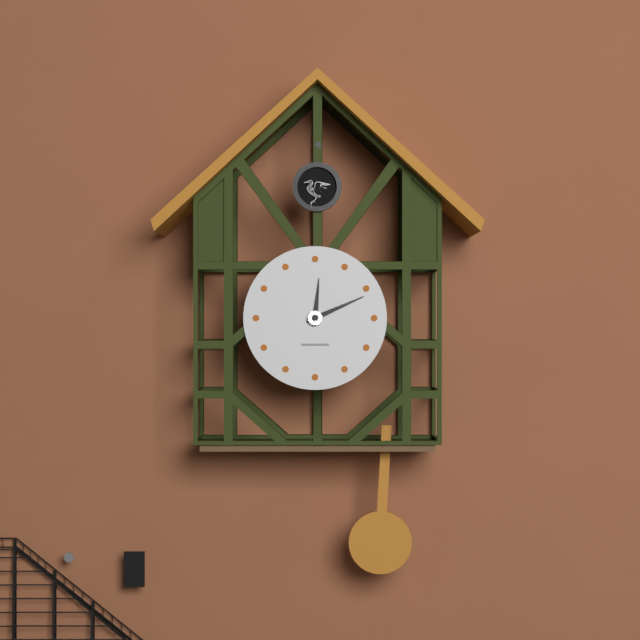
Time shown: {"hour": 12, "minute": 11}
